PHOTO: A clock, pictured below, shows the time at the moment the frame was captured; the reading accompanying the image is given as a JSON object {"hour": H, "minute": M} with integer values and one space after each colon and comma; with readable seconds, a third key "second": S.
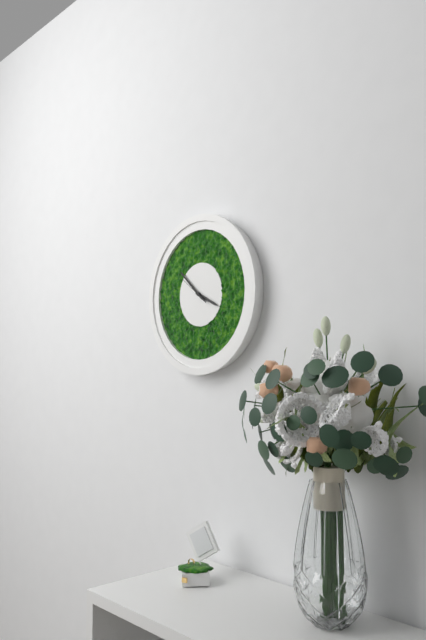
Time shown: {"hour": 3, "minute": 52}
